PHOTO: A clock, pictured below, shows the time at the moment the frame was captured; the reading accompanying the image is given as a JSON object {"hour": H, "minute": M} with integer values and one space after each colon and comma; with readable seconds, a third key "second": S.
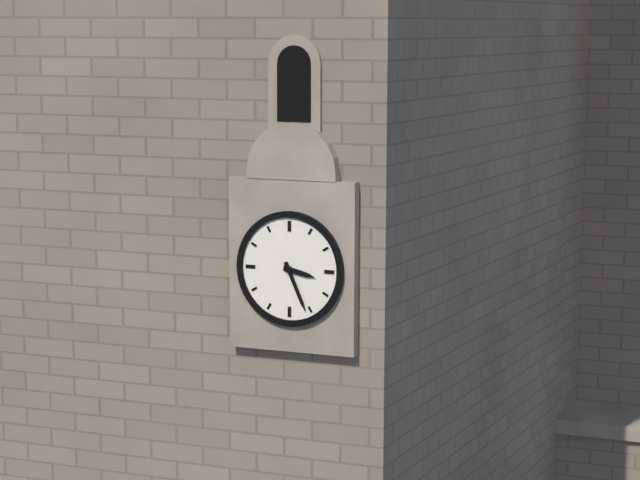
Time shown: {"hour": 3, "minute": 26}
